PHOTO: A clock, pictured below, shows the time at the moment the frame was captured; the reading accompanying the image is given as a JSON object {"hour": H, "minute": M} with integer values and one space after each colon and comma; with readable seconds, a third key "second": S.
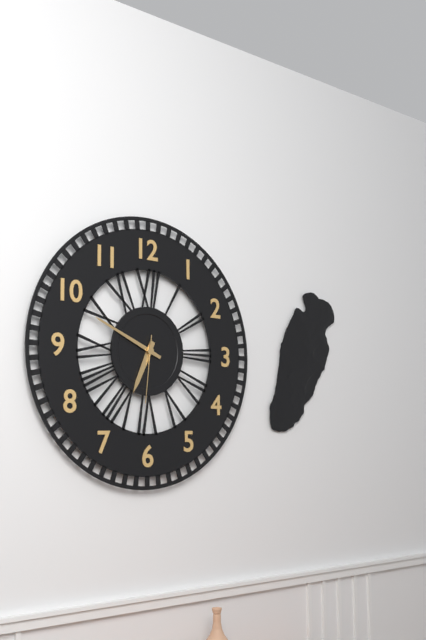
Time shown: {"hour": 6, "minute": 49, "second": 31}
